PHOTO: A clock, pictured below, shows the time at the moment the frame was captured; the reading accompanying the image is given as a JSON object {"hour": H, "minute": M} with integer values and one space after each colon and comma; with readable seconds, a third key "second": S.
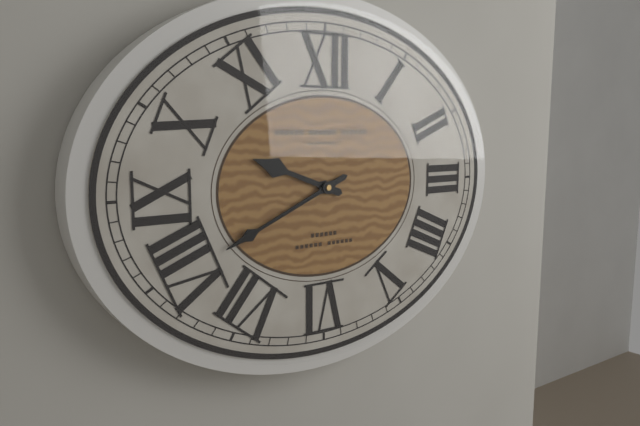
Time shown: {"hour": 9, "minute": 41}
